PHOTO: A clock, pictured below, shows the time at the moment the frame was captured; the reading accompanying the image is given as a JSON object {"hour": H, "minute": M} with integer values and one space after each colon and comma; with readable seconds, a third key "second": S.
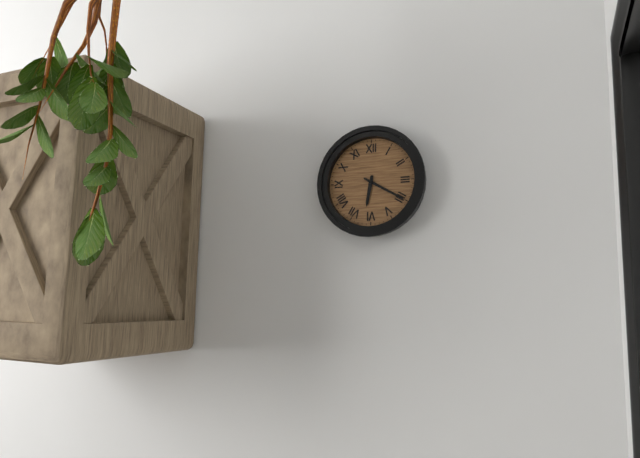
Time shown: {"hour": 6, "minute": 20}
